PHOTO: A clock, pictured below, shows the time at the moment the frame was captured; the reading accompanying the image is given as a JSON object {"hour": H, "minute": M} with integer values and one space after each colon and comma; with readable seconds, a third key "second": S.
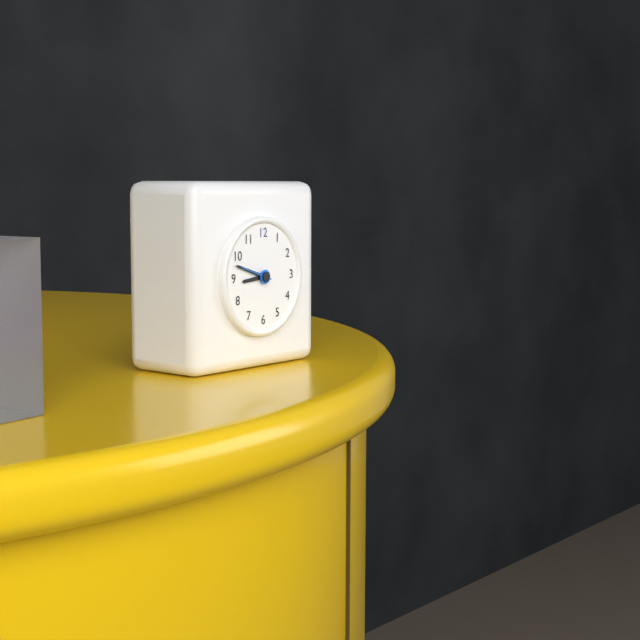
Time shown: {"hour": 8, "minute": 48}
